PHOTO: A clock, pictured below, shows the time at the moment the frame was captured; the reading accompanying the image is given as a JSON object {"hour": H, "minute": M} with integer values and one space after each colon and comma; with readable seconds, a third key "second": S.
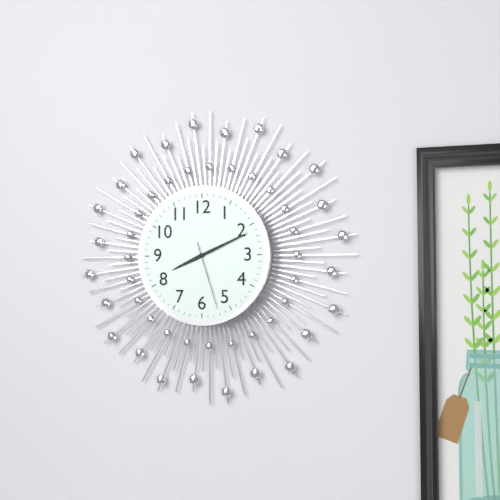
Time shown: {"hour": 8, "minute": 11, "second": 27}
